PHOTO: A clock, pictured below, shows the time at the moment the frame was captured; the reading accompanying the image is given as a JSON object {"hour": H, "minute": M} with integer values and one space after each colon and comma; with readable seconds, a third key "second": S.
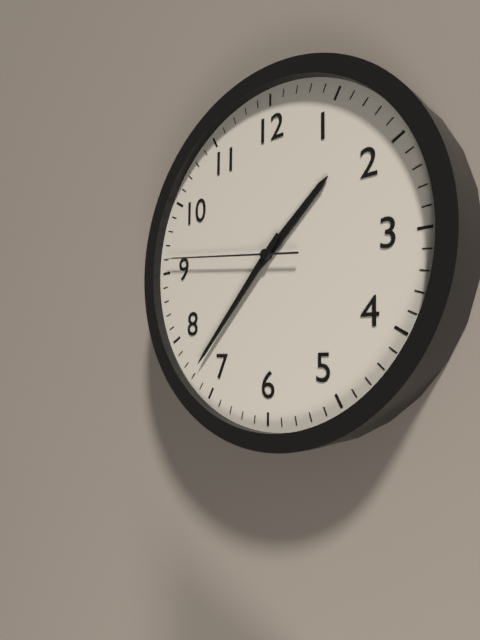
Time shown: {"hour": 1, "minute": 37, "second": 46}
